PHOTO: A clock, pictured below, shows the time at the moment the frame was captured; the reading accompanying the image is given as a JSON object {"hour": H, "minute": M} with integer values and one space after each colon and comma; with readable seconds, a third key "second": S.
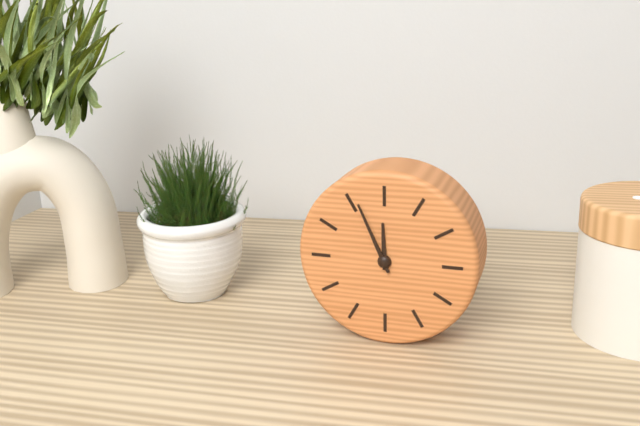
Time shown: {"hour": 11, "minute": 56}
